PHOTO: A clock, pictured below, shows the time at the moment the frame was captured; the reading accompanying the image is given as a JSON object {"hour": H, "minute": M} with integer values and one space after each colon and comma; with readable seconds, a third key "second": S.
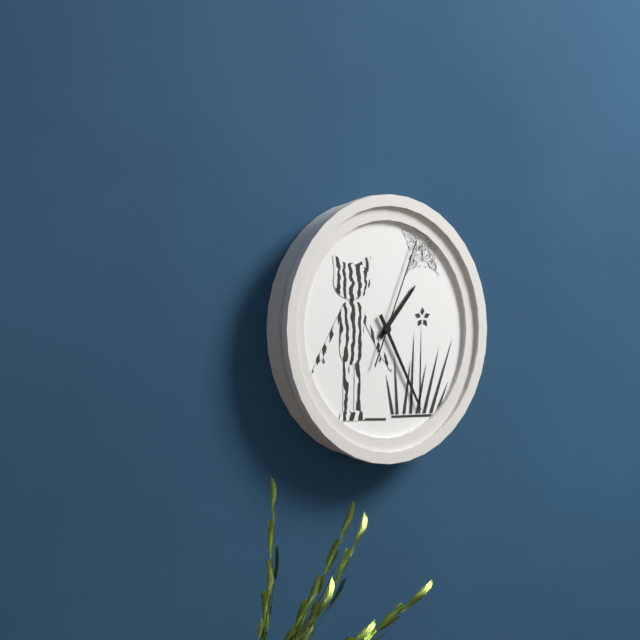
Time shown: {"hour": 1, "minute": 25, "second": 4}
